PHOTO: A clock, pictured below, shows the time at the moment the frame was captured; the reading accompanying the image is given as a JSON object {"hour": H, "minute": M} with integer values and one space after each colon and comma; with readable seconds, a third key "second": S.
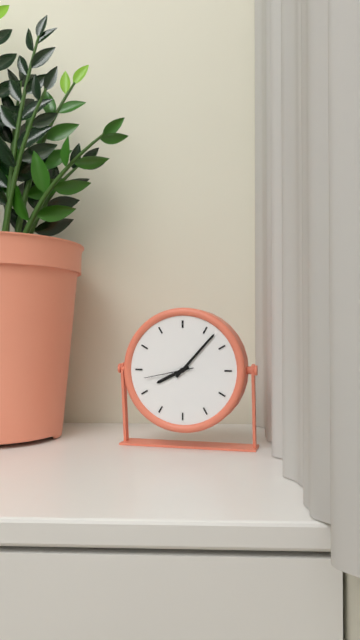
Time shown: {"hour": 8, "minute": 7}
